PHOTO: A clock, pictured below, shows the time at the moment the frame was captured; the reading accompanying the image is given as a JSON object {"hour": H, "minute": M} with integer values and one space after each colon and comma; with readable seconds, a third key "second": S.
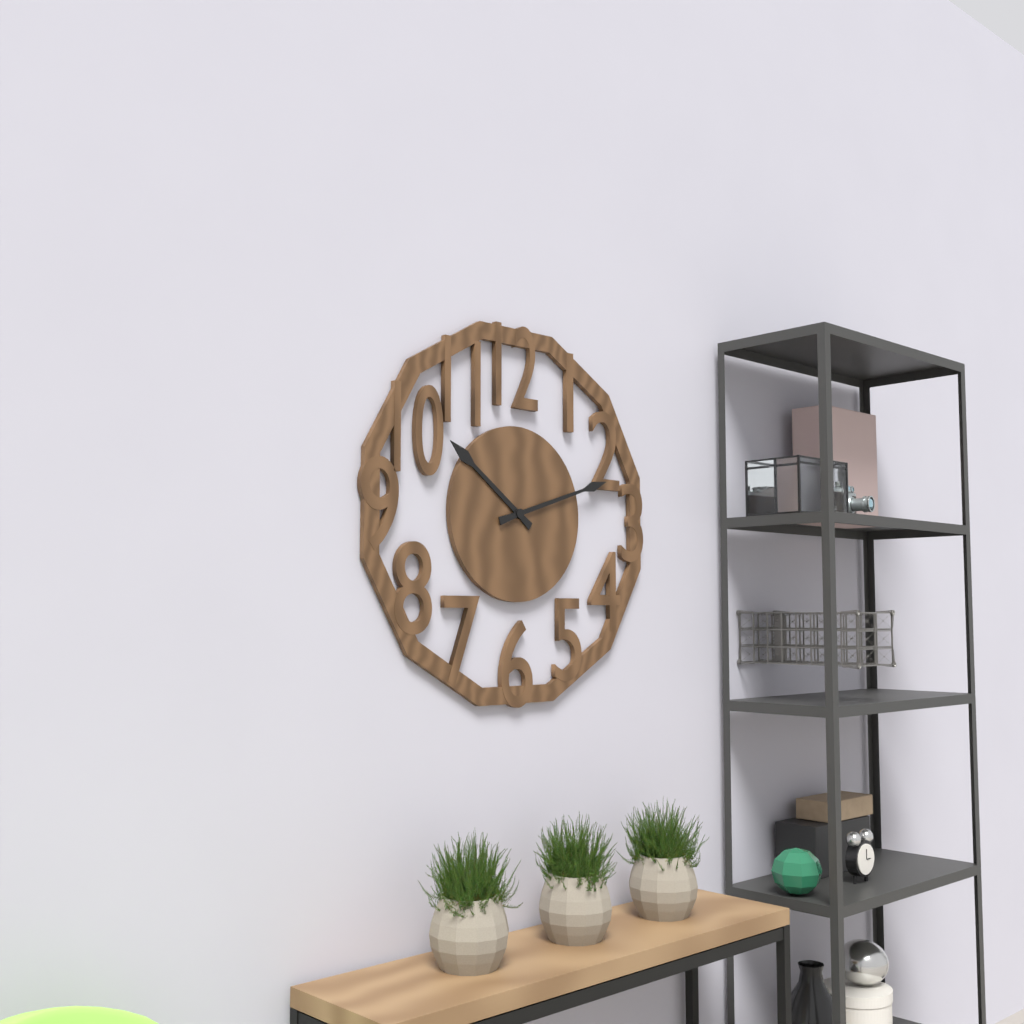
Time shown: {"hour": 10, "minute": 12}
